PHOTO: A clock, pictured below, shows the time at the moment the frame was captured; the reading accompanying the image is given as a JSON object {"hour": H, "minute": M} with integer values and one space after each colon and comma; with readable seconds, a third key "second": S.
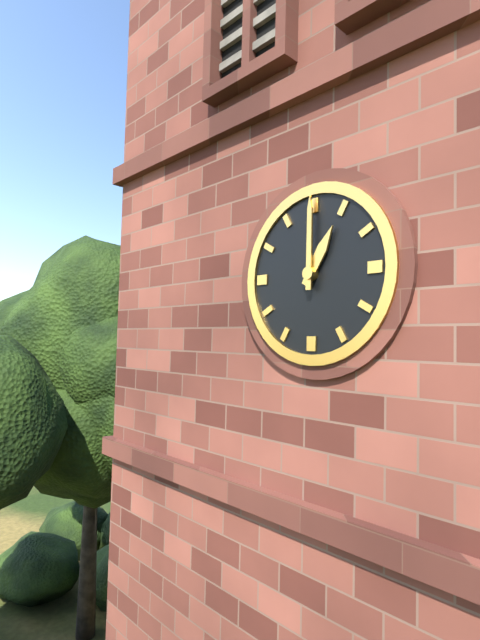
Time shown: {"hour": 1, "minute": 0}
